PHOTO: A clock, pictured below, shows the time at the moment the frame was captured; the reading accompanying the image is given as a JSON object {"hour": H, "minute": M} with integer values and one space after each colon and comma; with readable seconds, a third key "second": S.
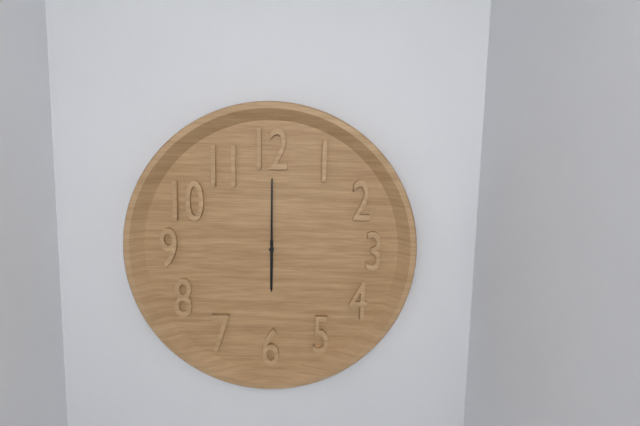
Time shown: {"hour": 6, "minute": 0}
